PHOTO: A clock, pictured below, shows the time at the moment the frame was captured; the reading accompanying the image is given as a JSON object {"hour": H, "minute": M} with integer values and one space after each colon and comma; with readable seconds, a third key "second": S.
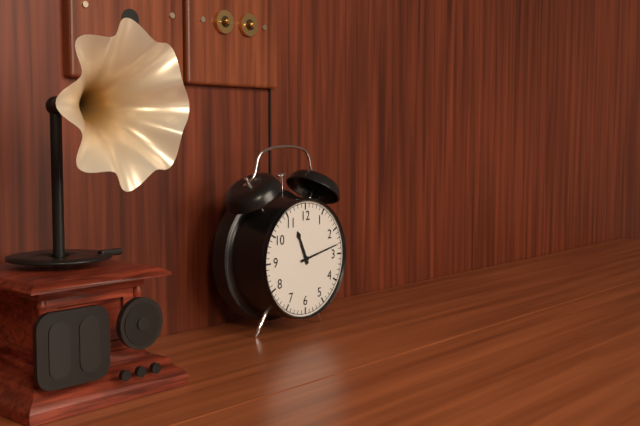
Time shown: {"hour": 11, "minute": 13}
